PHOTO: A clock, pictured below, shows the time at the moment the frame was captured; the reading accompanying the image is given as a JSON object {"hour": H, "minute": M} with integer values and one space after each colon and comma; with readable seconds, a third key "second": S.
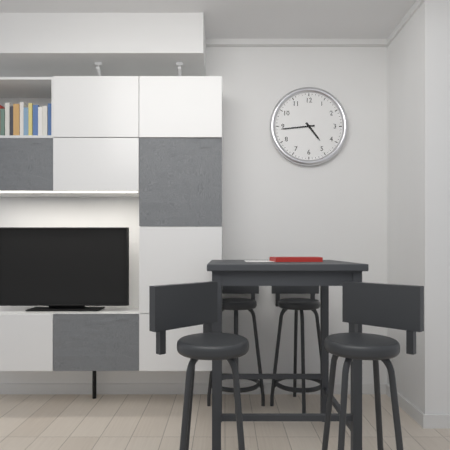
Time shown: {"hour": 4, "minute": 44}
